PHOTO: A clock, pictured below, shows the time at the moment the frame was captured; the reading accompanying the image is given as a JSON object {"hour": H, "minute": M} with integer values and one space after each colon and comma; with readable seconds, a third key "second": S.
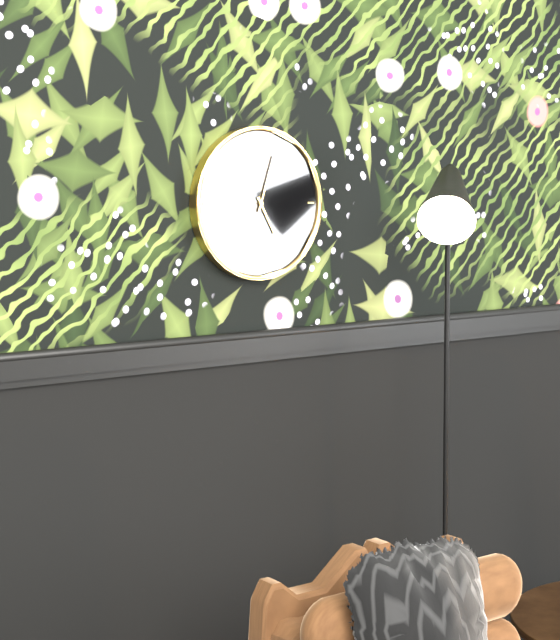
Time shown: {"hour": 5, "minute": 3}
